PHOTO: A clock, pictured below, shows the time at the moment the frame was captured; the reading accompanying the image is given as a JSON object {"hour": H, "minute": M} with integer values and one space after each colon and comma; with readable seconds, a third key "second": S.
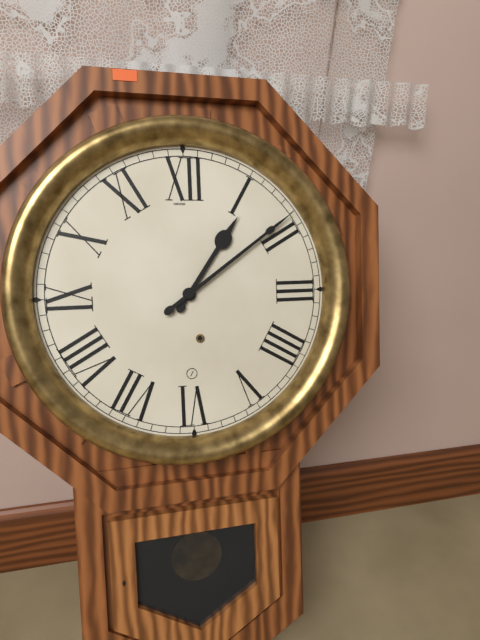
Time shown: {"hour": 1, "minute": 9}
